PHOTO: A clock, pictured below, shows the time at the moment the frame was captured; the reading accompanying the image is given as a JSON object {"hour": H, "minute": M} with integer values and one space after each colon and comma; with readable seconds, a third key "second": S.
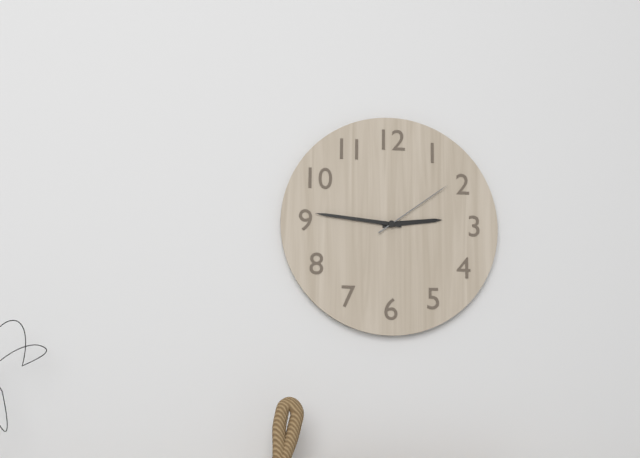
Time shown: {"hour": 2, "minute": 46, "second": 9}
